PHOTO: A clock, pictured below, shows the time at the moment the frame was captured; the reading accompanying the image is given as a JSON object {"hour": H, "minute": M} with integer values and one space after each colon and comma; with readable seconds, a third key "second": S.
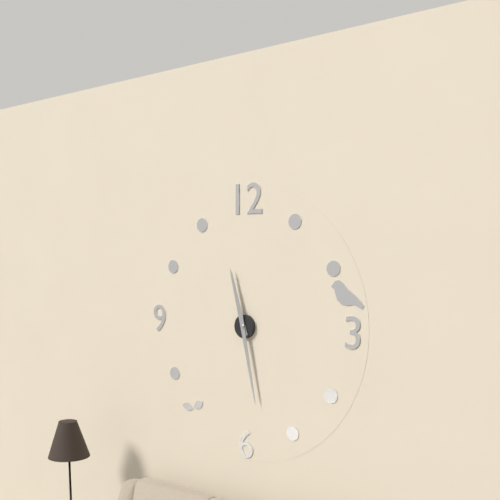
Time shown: {"hour": 11, "minute": 28}
